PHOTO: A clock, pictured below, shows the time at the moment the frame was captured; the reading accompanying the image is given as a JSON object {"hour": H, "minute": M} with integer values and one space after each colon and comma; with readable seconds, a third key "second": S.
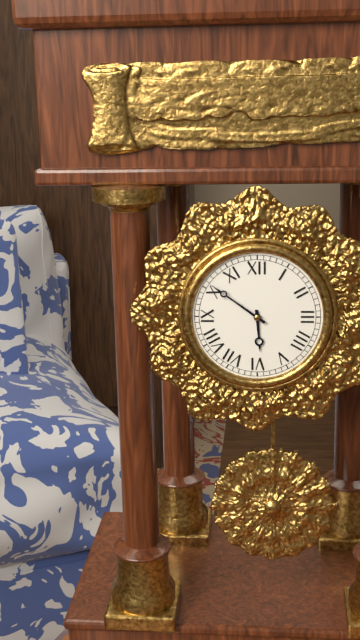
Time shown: {"hour": 5, "minute": 51}
